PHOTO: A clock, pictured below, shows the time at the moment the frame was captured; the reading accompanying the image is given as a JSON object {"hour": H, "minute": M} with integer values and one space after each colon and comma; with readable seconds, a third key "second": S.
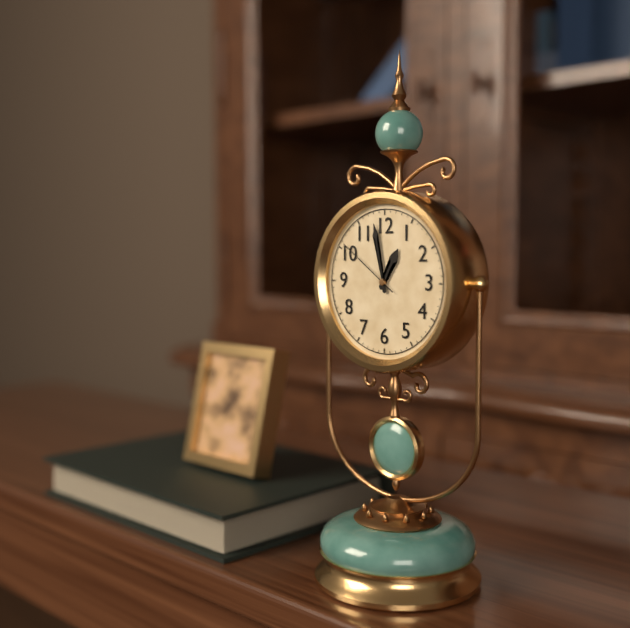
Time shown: {"hour": 12, "minute": 58, "second": 51}
